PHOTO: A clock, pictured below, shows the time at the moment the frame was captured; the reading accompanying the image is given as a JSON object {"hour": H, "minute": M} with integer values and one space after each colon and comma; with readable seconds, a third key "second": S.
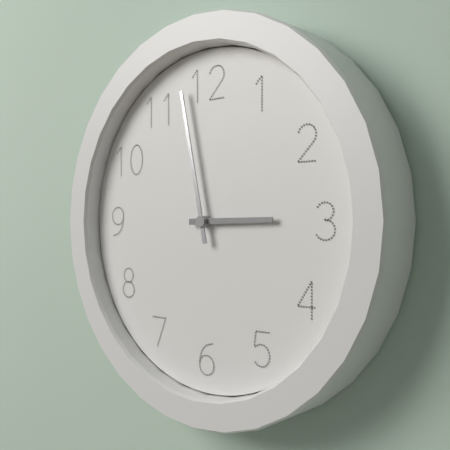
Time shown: {"hour": 2, "minute": 58}
